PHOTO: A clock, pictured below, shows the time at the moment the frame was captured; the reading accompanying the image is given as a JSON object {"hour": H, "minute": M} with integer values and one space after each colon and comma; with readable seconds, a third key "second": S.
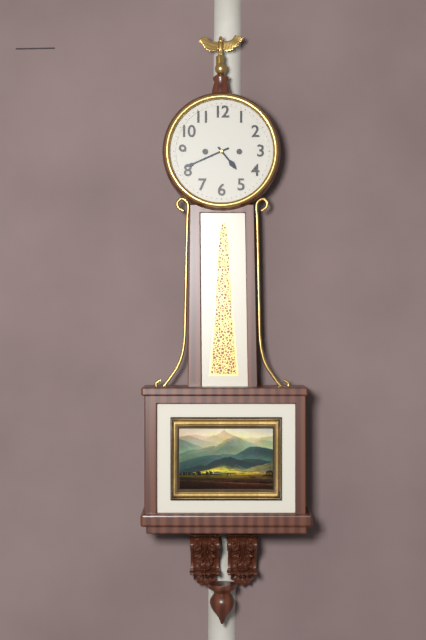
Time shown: {"hour": 4, "minute": 41}
